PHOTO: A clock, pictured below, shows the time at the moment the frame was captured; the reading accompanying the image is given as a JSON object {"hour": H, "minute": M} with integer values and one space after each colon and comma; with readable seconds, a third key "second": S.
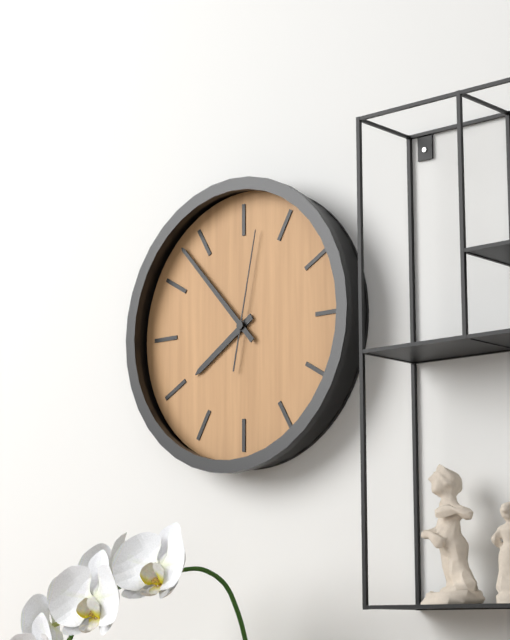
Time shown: {"hour": 7, "minute": 53, "second": 2}
